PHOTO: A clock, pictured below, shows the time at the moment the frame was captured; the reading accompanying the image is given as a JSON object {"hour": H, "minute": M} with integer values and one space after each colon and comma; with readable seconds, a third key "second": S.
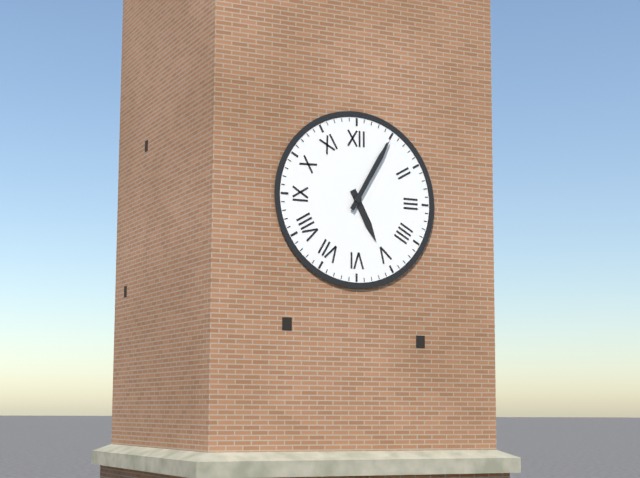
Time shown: {"hour": 5, "minute": 5}
